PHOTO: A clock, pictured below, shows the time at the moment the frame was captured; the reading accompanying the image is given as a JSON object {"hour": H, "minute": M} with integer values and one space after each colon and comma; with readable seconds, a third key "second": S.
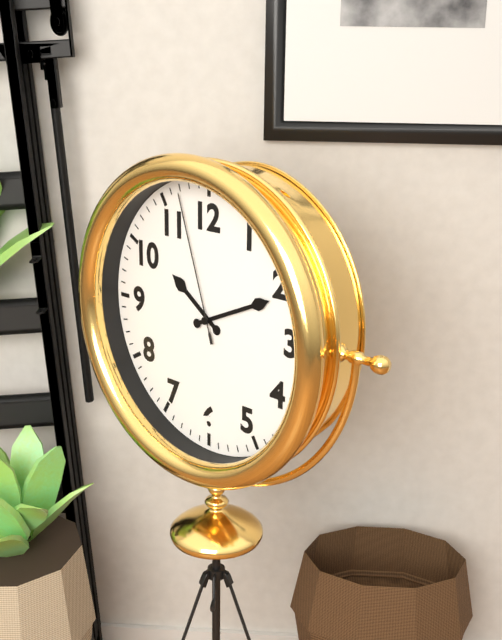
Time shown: {"hour": 10, "minute": 11, "second": 57}
